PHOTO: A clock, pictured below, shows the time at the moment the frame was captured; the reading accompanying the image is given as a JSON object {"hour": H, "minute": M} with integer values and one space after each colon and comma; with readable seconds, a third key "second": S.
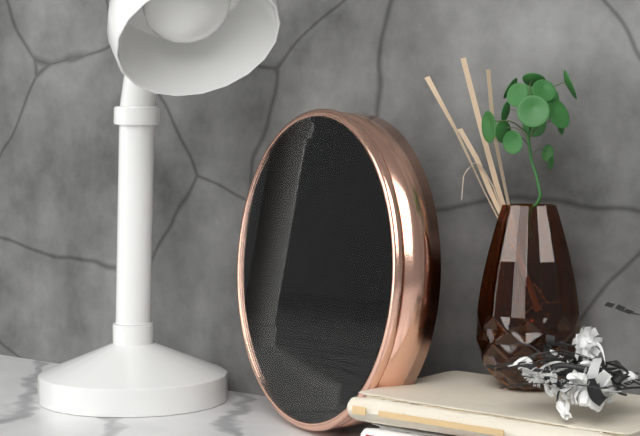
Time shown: {"hour": 11, "minute": 35, "second": 14}
